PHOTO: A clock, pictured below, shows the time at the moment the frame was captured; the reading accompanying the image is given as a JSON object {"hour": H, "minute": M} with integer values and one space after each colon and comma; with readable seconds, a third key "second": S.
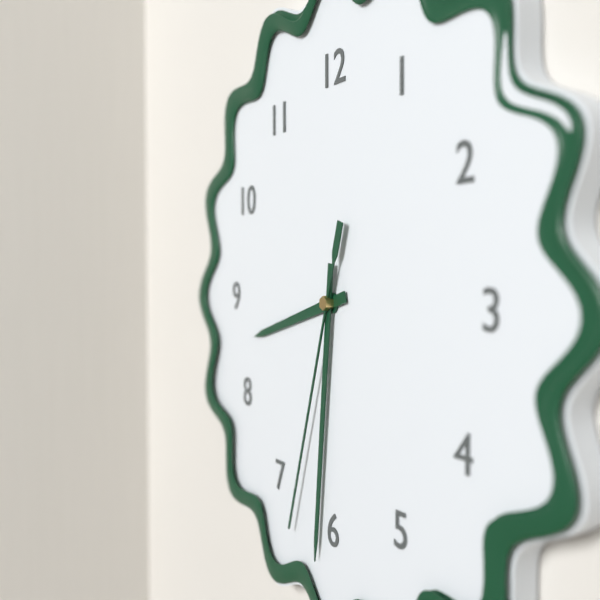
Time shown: {"hour": 8, "minute": 31, "second": 33}
